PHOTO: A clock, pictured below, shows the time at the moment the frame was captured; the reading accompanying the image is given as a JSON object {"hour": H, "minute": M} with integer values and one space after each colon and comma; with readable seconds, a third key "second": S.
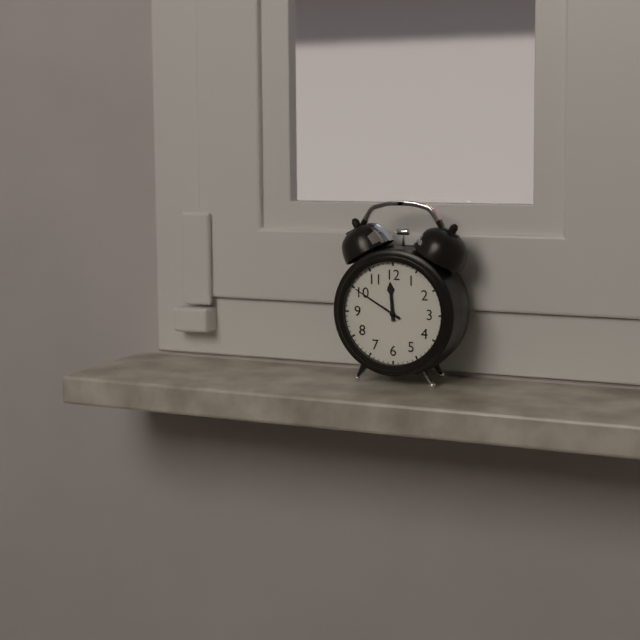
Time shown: {"hour": 11, "minute": 50}
